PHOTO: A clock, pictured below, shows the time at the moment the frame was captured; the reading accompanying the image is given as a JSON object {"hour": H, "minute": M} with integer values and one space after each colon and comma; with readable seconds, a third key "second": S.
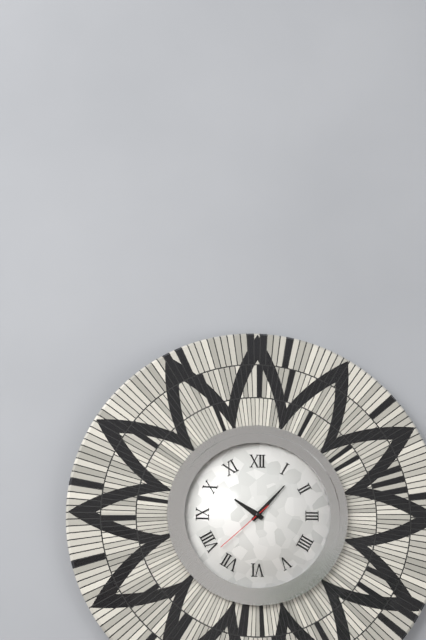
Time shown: {"hour": 10, "minute": 7, "second": 38}
